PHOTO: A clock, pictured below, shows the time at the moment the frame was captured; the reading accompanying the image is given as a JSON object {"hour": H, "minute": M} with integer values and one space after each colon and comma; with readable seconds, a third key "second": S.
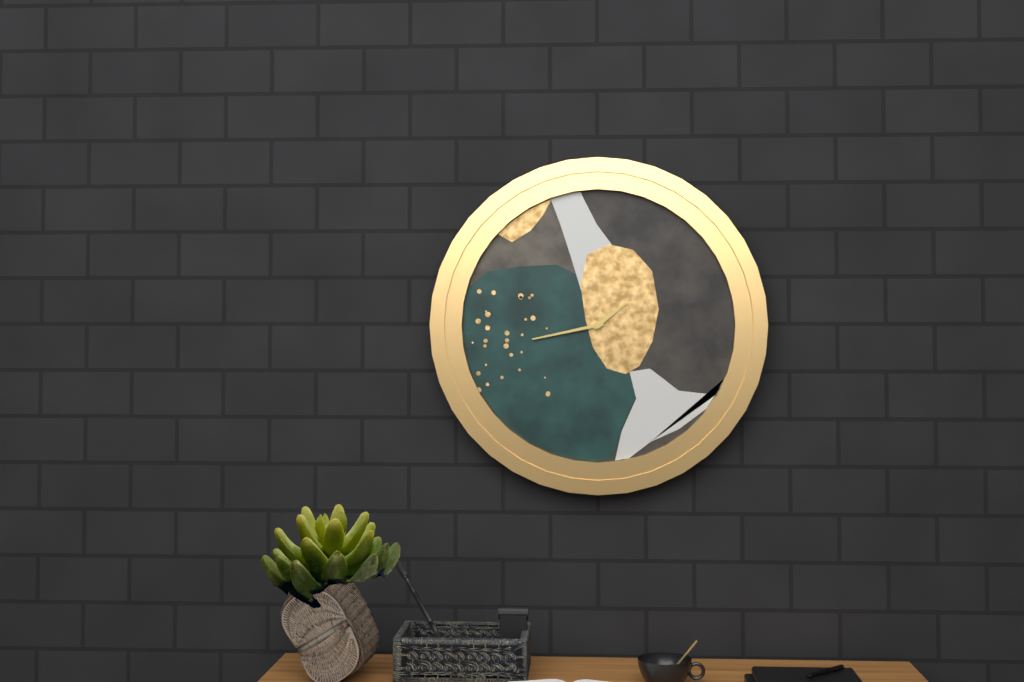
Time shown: {"hour": 1, "minute": 43}
